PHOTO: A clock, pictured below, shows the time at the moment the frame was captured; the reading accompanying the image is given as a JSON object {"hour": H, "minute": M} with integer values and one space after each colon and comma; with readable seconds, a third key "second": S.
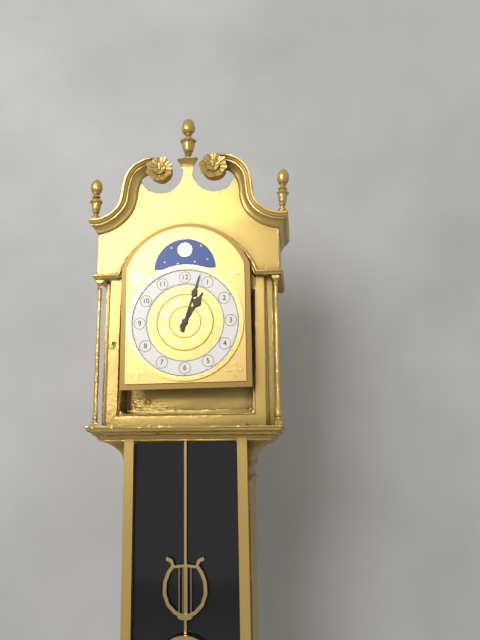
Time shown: {"hour": 1, "minute": 3}
